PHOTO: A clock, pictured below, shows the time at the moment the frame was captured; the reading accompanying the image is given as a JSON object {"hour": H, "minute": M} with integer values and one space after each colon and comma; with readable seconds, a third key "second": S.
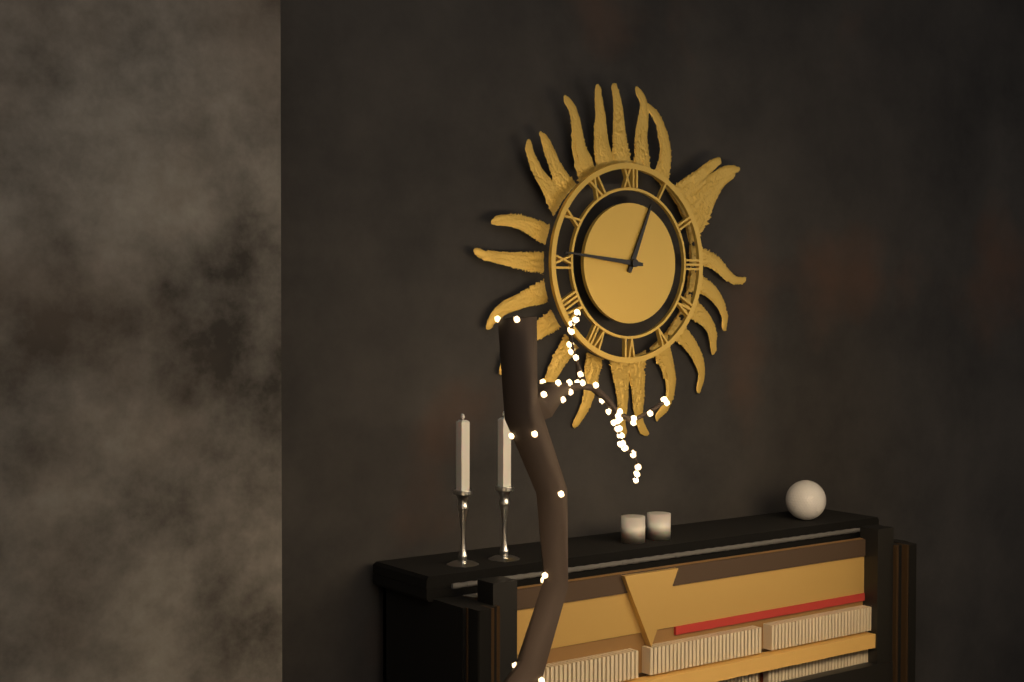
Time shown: {"hour": 12, "minute": 46}
